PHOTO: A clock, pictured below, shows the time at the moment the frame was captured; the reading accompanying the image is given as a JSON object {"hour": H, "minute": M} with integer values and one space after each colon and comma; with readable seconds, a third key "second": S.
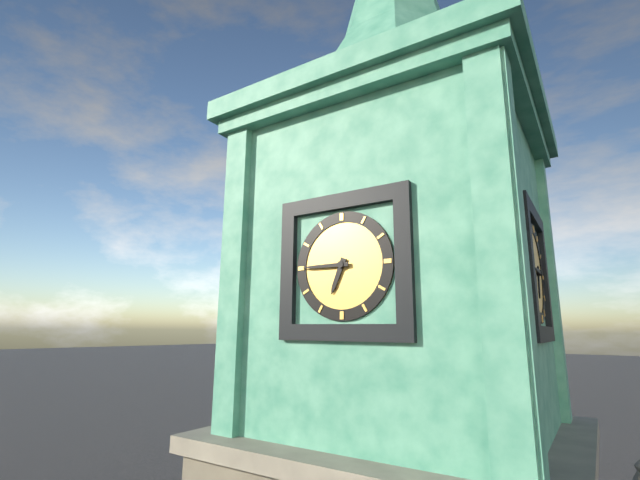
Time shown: {"hour": 6, "minute": 45}
